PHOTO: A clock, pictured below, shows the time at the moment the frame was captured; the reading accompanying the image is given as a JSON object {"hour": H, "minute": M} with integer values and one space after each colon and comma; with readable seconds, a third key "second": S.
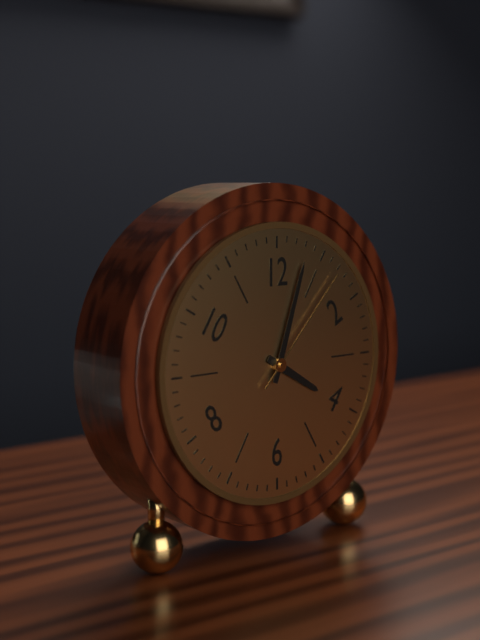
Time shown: {"hour": 4, "minute": 3, "second": 7}
